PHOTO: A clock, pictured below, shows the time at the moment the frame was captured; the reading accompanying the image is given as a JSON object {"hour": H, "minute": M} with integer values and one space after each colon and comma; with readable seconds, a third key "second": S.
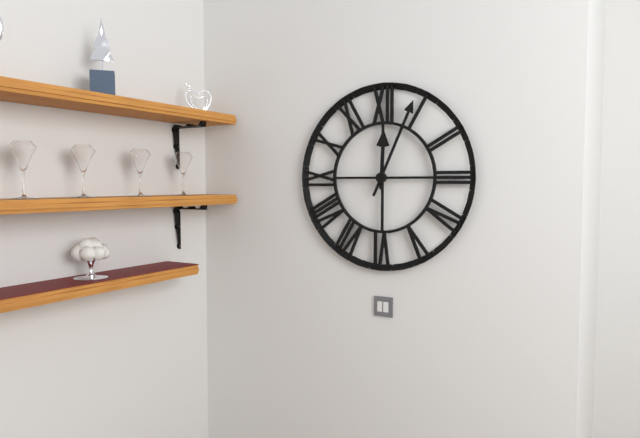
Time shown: {"hour": 12, "minute": 4}
